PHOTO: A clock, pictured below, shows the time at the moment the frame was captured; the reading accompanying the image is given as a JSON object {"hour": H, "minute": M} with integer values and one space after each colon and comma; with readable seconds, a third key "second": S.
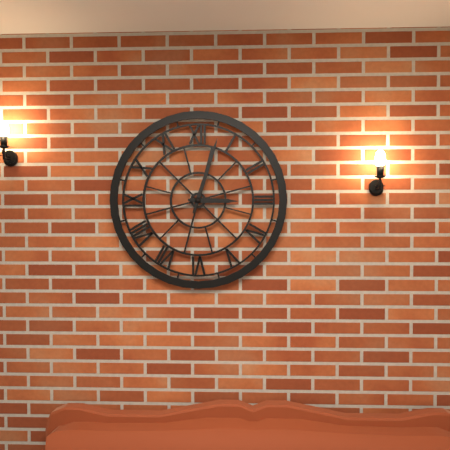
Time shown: {"hour": 3, "minute": 3}
